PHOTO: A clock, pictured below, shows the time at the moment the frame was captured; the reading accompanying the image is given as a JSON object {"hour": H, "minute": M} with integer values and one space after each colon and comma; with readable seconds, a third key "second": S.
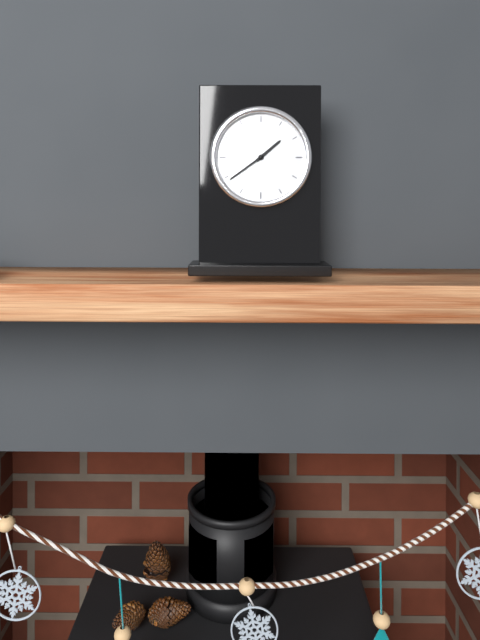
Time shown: {"hour": 1, "minute": 39}
